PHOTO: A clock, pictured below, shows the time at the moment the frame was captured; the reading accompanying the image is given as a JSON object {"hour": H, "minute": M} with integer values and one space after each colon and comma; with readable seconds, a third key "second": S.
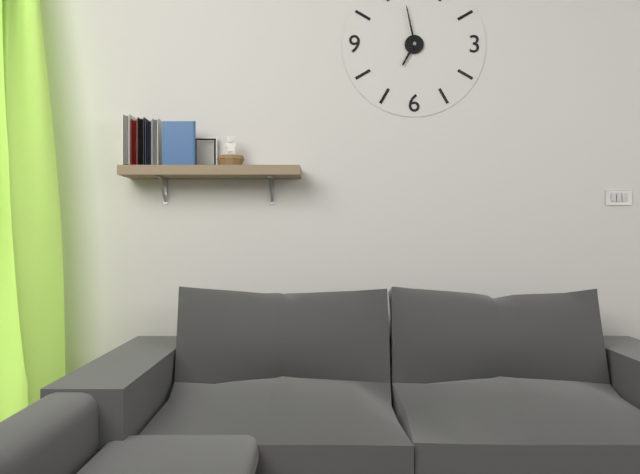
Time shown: {"hour": 6, "minute": 58}
